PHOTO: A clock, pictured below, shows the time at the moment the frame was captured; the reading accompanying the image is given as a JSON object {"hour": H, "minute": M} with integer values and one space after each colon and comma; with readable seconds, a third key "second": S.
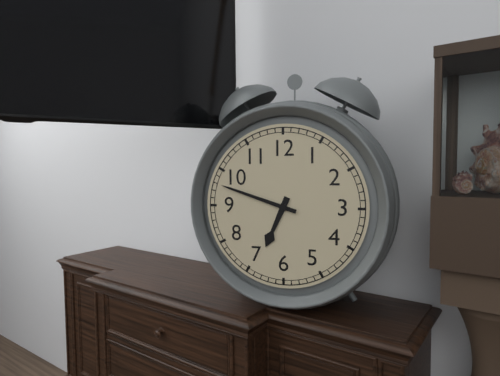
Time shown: {"hour": 6, "minute": 48}
